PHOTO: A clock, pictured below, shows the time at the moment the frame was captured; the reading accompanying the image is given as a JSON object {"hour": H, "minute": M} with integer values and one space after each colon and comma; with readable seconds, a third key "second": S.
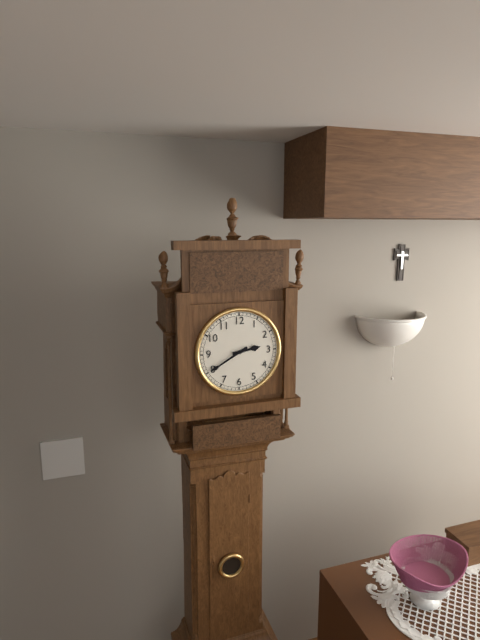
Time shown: {"hour": 2, "minute": 40}
